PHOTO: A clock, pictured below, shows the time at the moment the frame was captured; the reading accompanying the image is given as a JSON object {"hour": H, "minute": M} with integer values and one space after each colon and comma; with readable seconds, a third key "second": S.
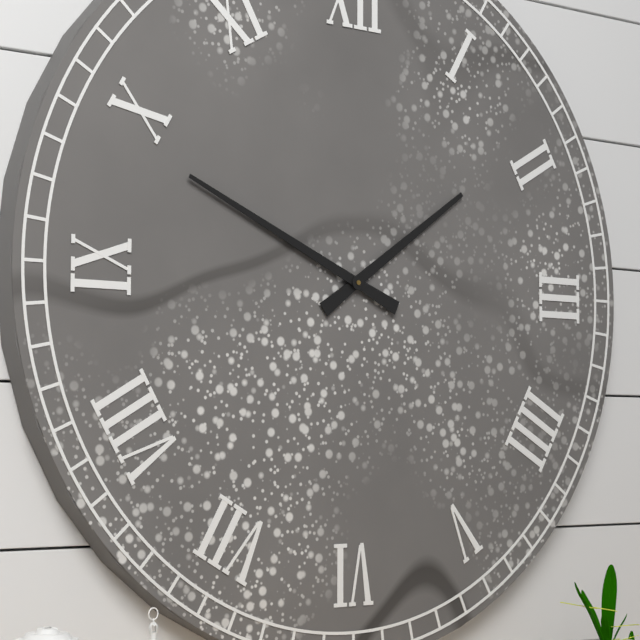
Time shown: {"hour": 1, "minute": 49}
